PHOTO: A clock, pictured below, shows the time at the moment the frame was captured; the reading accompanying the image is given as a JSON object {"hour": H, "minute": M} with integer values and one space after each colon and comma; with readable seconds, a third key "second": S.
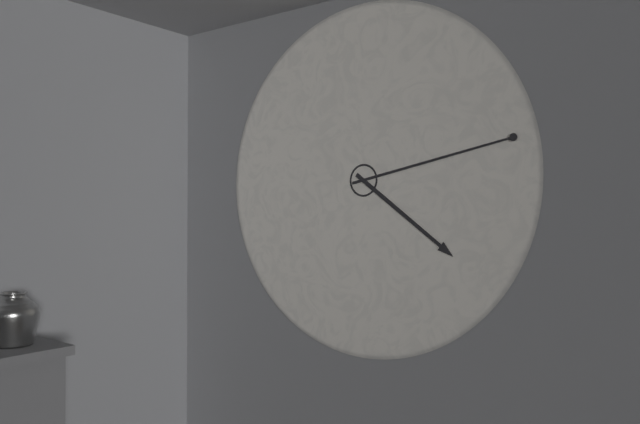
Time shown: {"hour": 4, "minute": 13}
